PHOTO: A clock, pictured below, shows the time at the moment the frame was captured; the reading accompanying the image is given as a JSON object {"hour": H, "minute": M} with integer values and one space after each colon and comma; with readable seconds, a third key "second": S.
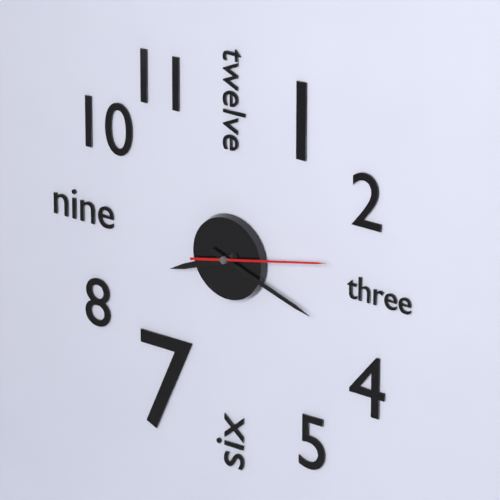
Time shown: {"hour": 8, "minute": 18, "second": 13}
